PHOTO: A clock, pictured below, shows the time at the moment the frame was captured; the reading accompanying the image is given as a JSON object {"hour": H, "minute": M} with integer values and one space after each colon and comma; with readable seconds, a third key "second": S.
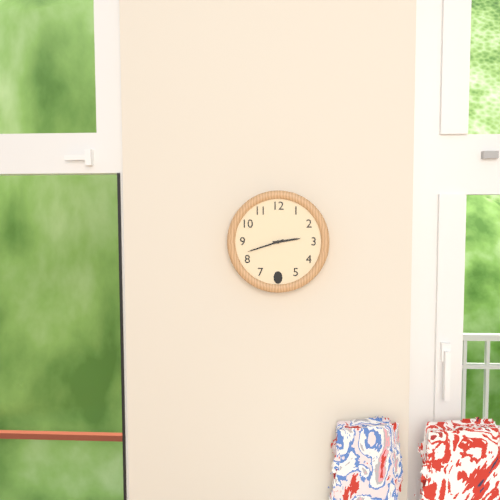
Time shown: {"hour": 2, "minute": 42}
